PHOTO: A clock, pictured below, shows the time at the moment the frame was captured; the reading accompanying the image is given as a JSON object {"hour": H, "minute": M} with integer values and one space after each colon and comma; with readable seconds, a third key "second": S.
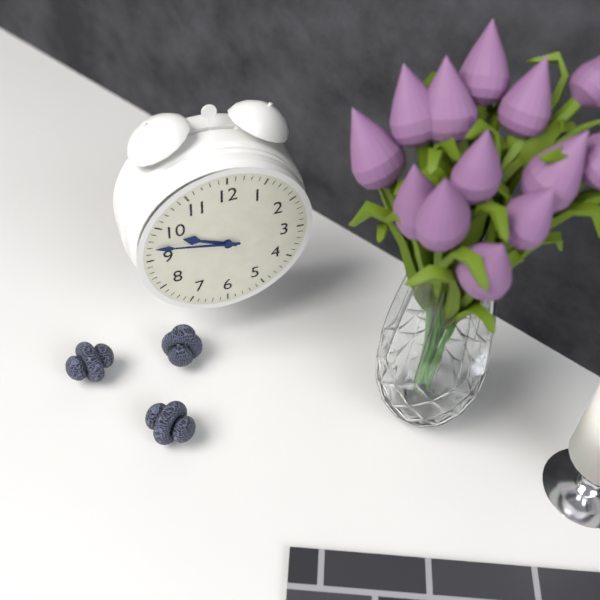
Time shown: {"hour": 9, "minute": 47}
